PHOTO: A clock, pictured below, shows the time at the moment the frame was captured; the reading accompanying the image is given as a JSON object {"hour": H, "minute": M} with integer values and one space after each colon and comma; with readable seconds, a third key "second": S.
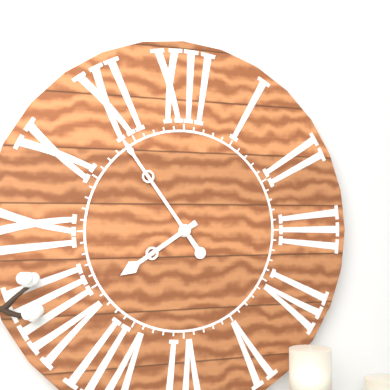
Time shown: {"hour": 7, "minute": 54}
